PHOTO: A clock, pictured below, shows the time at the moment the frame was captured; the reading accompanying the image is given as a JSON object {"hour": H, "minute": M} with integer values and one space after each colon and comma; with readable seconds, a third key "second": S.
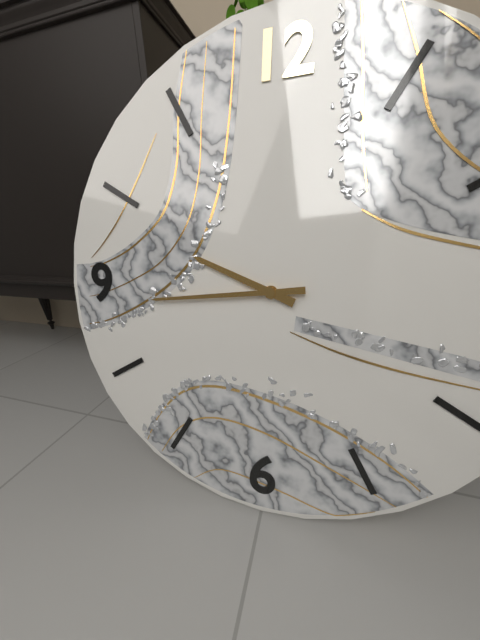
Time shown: {"hour": 9, "minute": 44}
